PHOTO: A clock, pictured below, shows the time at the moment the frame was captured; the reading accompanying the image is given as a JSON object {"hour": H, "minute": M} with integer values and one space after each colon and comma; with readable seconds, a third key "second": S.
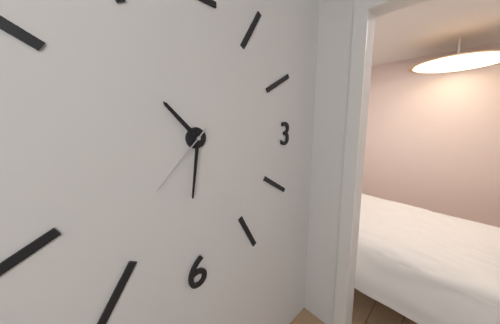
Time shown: {"hour": 10, "minute": 31, "second": 37}
